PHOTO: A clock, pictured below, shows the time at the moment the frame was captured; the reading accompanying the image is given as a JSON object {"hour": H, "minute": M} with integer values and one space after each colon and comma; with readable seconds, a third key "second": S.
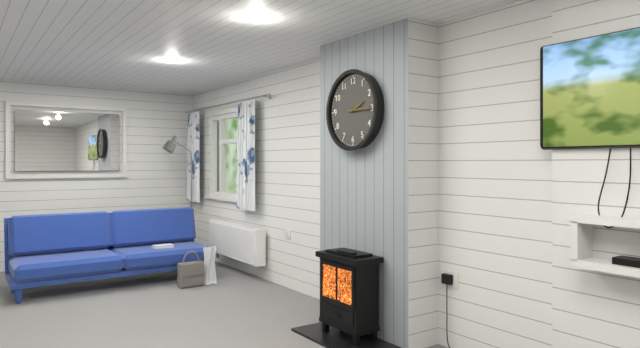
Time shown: {"hour": 2, "minute": 15}
